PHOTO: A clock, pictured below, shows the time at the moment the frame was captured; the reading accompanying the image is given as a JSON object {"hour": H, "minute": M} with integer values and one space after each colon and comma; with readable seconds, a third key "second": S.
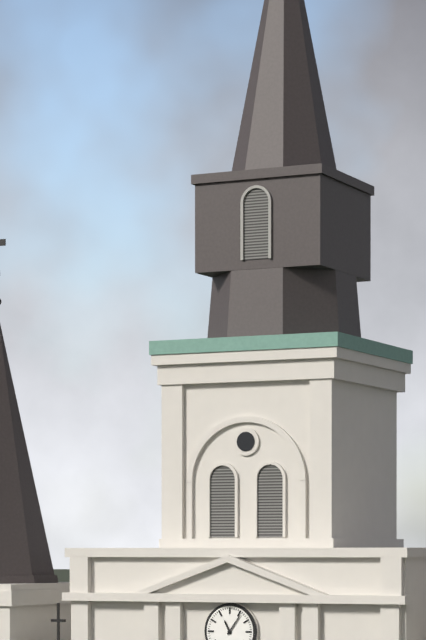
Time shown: {"hour": 11, "minute": 6}
